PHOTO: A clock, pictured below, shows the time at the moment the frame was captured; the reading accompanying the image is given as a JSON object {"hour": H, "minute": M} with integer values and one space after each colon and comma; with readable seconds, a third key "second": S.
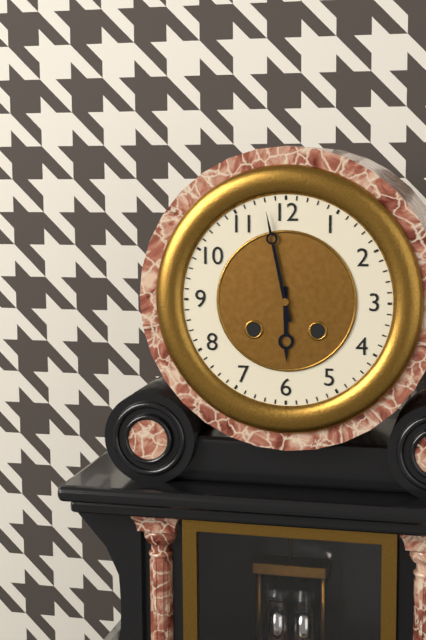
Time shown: {"hour": 5, "minute": 58}
